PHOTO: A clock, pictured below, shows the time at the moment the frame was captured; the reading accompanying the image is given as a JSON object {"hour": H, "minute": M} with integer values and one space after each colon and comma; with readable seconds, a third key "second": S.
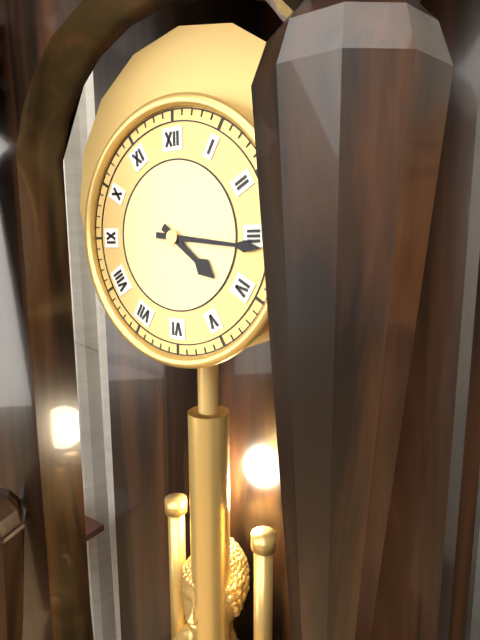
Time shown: {"hour": 4, "minute": 16}
